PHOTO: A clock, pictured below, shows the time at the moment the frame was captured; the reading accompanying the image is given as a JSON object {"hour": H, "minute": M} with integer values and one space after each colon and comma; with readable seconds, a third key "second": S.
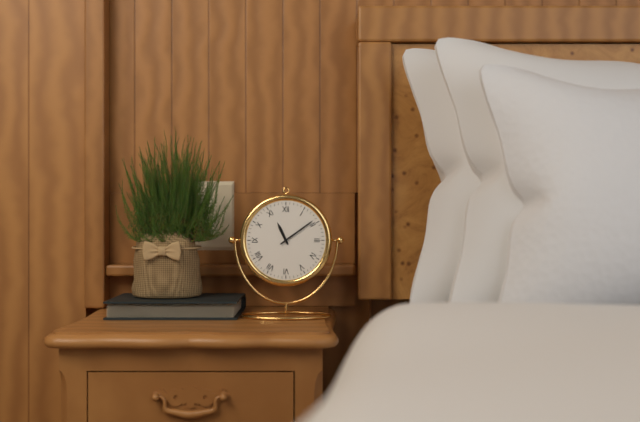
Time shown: {"hour": 11, "minute": 9}
